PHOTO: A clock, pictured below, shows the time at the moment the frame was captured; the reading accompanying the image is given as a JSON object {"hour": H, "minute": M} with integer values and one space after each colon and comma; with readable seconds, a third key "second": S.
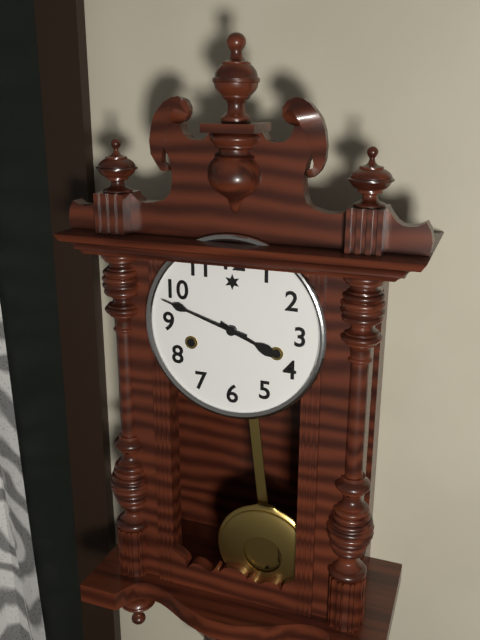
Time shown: {"hour": 3, "minute": 48}
